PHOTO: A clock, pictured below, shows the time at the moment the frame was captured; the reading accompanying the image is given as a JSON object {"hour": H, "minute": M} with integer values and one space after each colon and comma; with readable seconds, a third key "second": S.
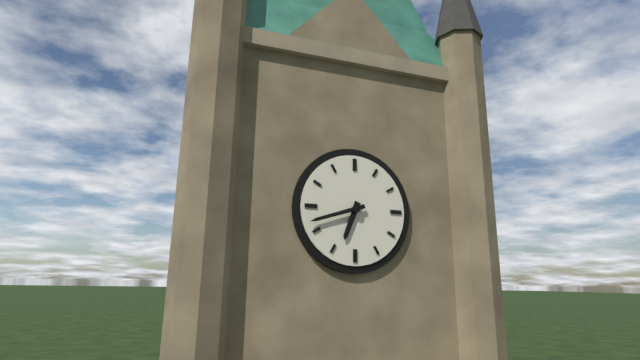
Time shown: {"hour": 6, "minute": 42}
